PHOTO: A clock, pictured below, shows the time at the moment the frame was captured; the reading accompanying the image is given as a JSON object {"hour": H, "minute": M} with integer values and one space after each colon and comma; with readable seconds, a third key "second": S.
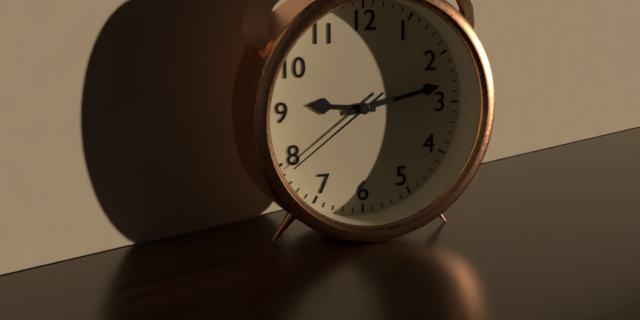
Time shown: {"hour": 9, "minute": 13, "second": 39}
